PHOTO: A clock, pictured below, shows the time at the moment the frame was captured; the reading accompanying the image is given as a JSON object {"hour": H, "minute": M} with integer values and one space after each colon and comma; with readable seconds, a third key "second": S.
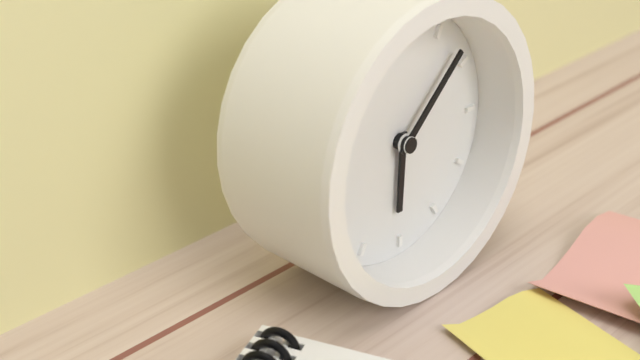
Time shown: {"hour": 6, "minute": 8}
